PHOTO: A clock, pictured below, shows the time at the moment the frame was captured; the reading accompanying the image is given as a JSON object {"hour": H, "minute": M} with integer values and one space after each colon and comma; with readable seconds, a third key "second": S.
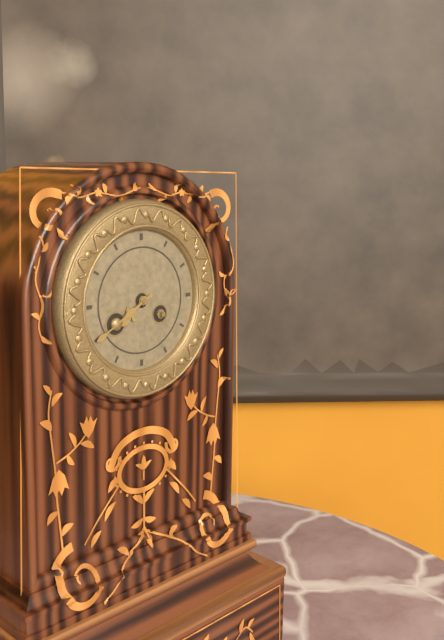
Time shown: {"hour": 7, "minute": 40}
